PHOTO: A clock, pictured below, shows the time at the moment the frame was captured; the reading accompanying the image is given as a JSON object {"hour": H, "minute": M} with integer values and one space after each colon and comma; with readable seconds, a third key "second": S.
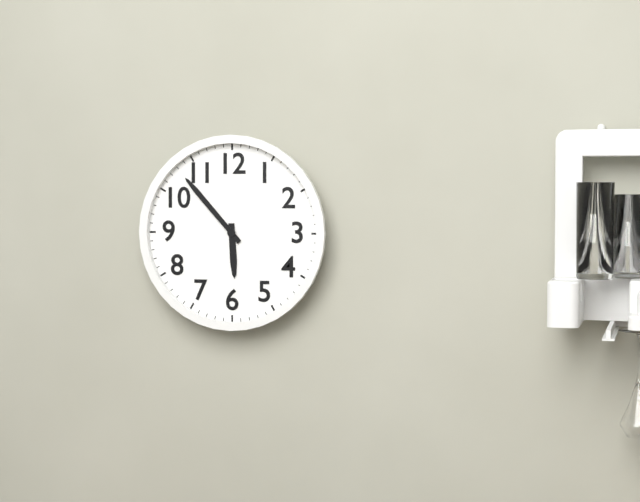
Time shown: {"hour": 5, "minute": 53}
